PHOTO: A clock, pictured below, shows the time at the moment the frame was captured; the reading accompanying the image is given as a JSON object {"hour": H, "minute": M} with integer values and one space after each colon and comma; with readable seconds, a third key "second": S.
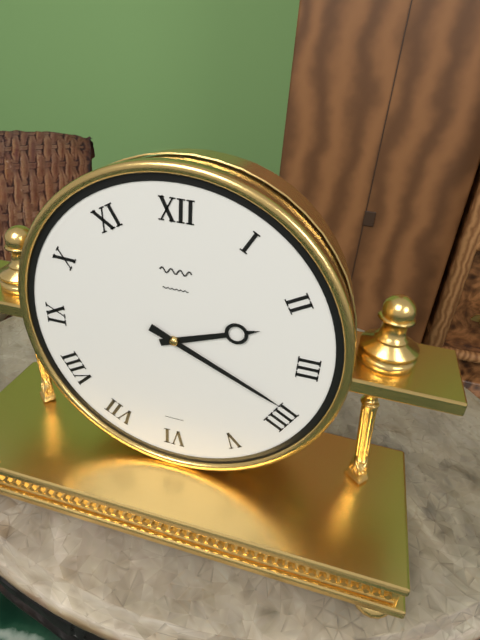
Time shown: {"hour": 2, "minute": 19}
